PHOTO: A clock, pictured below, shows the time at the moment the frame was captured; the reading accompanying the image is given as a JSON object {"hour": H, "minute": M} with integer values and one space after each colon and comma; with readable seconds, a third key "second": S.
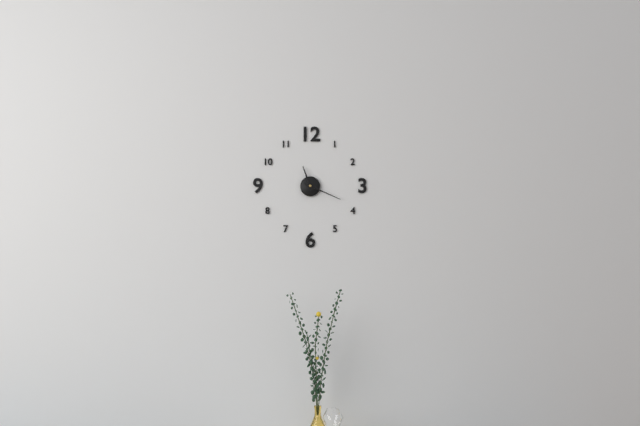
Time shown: {"hour": 11, "minute": 19}
